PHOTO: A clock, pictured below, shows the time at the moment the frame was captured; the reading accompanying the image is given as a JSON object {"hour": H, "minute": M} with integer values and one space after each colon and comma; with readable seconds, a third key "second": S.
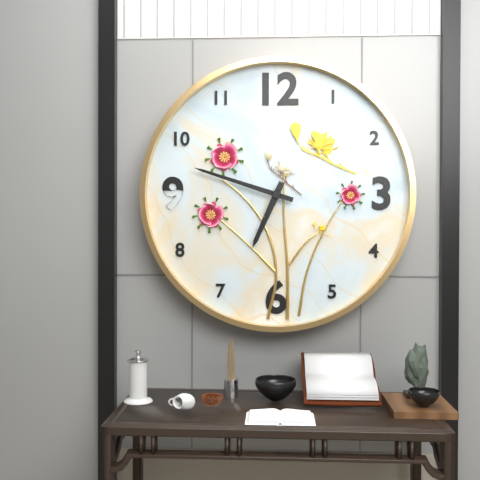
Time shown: {"hour": 6, "minute": 48}
